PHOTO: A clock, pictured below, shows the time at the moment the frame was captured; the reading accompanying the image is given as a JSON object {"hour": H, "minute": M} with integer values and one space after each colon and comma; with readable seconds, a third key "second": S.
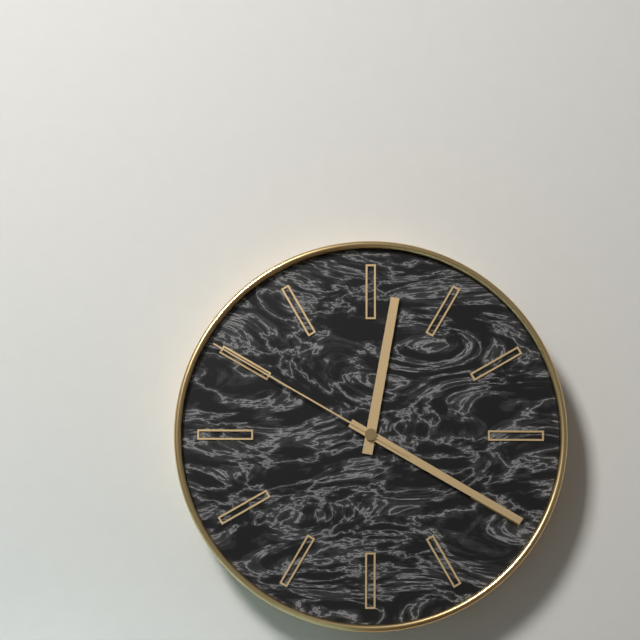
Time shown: {"hour": 12, "minute": 20, "second": 50}
